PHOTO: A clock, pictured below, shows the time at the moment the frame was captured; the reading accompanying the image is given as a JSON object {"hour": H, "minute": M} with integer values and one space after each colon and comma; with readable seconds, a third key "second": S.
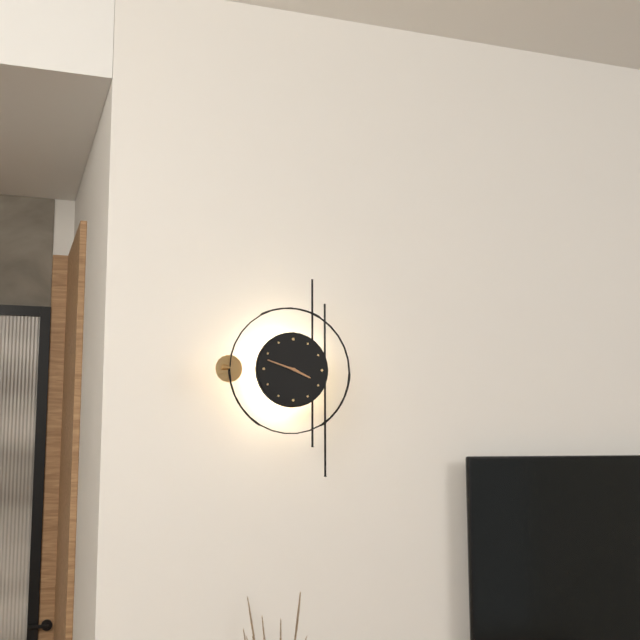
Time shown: {"hour": 3, "minute": 48}
